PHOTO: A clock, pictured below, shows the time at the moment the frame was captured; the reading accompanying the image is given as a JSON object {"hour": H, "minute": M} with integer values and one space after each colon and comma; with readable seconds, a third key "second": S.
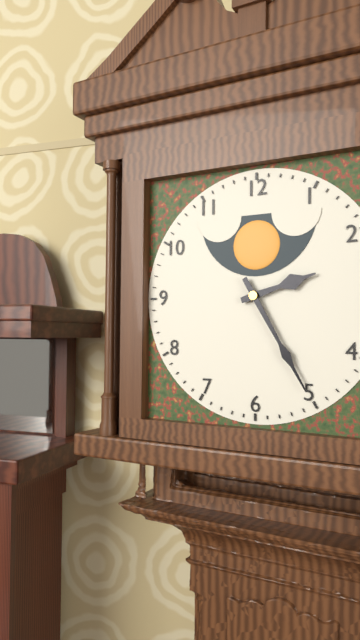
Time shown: {"hour": 2, "minute": 25}
